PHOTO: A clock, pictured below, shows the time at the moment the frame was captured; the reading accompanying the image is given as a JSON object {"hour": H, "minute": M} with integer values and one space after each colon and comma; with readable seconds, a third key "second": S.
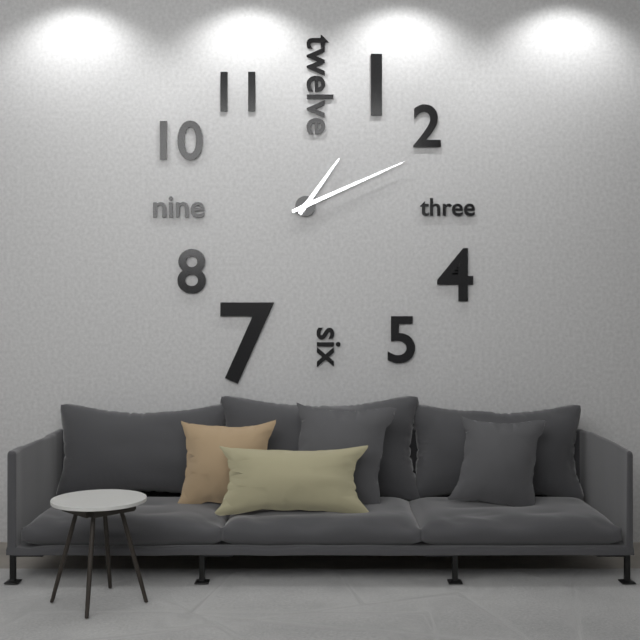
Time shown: {"hour": 1, "minute": 11}
